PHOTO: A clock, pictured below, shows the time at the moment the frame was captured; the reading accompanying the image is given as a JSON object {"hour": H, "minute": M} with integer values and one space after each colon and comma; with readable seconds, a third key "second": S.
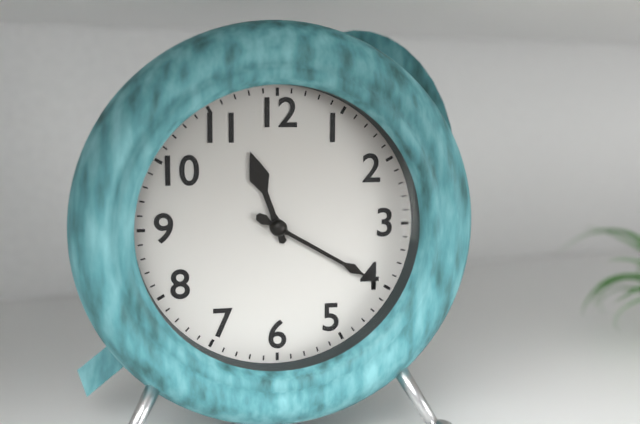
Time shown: {"hour": 11, "minute": 20}
